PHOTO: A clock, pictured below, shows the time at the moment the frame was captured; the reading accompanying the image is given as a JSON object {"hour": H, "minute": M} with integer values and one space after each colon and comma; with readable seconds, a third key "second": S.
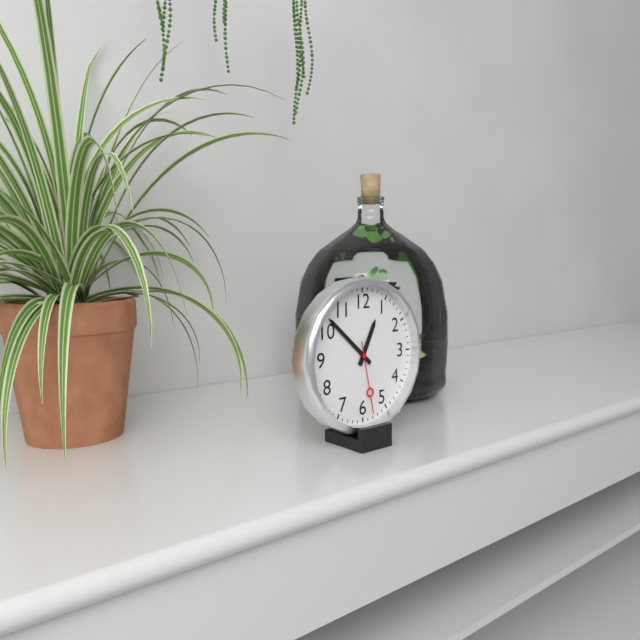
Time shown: {"hour": 12, "minute": 52, "second": 28}
